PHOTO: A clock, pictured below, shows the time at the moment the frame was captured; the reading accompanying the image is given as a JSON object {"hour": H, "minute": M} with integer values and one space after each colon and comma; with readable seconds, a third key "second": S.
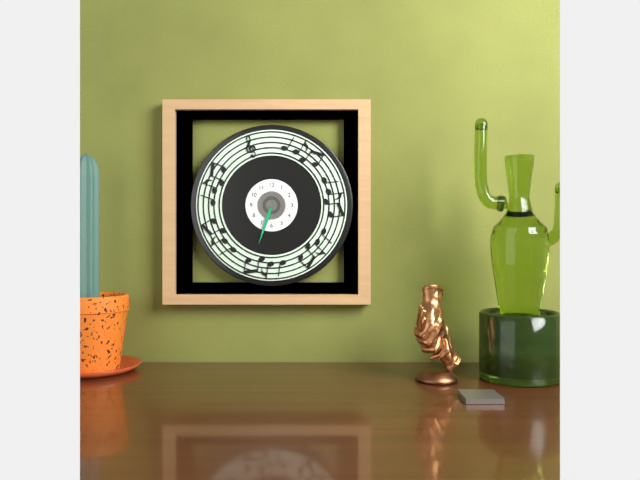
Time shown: {"hour": 6, "minute": 33}
